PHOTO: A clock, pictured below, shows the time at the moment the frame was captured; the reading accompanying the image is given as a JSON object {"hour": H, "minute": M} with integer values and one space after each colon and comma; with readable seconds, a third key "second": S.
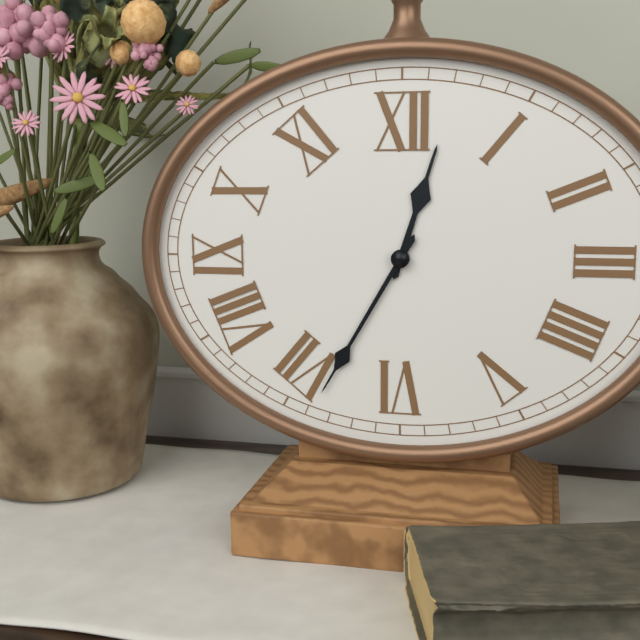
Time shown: {"hour": 12, "minute": 35}
